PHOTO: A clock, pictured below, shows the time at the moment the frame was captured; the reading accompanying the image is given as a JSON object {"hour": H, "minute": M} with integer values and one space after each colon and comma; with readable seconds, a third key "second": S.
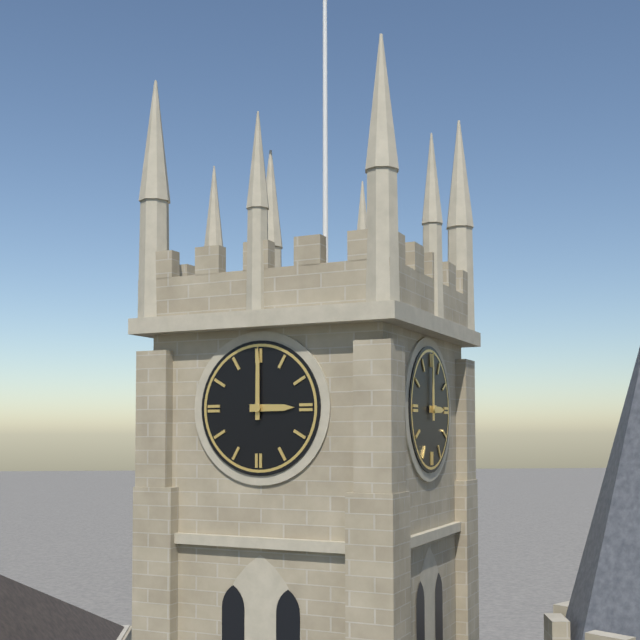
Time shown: {"hour": 3, "minute": 0}
